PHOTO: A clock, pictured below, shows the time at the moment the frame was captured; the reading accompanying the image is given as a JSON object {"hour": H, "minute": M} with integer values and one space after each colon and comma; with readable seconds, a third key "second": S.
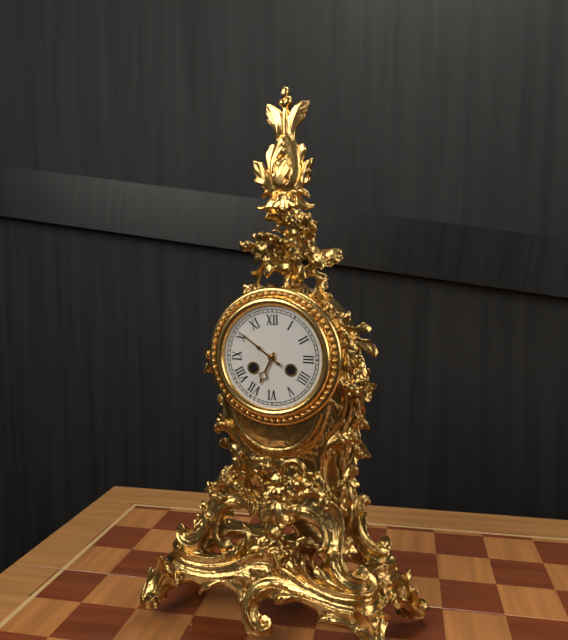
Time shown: {"hour": 6, "minute": 51}
